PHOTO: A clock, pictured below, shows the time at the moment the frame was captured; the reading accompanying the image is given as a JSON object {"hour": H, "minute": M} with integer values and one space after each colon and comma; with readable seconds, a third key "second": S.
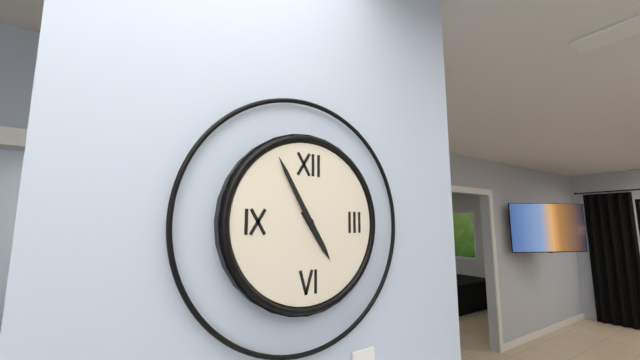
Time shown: {"hour": 4, "minute": 55}
